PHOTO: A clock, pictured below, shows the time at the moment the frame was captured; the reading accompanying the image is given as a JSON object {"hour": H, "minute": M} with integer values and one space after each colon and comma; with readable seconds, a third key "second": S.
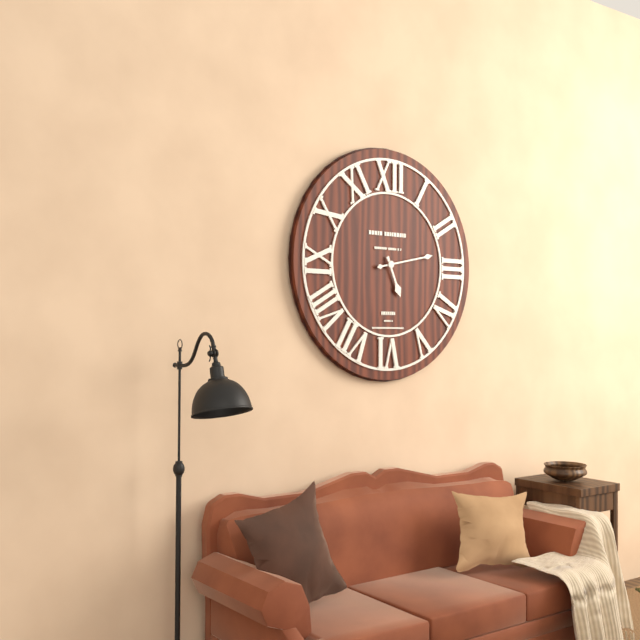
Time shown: {"hour": 5, "minute": 13}
